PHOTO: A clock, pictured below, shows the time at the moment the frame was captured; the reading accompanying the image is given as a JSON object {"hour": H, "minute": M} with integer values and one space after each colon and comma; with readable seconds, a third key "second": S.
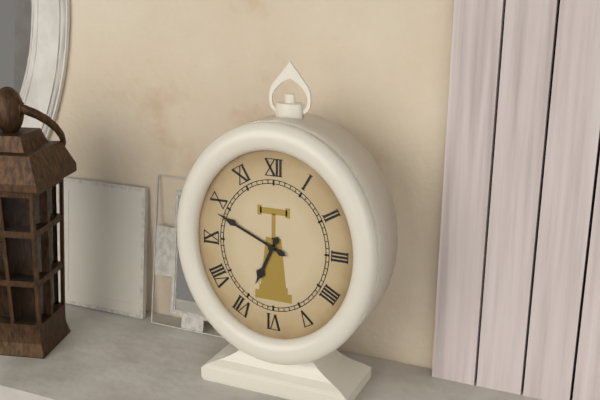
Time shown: {"hour": 6, "minute": 49}
